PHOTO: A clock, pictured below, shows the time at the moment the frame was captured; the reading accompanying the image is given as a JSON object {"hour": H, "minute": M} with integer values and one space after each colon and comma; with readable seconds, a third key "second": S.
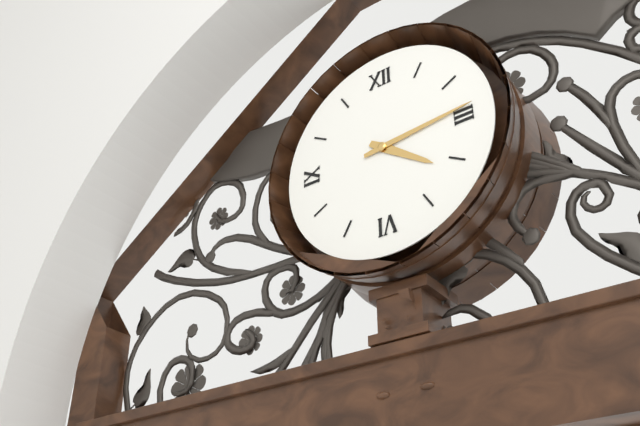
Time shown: {"hour": 4, "minute": 14}
